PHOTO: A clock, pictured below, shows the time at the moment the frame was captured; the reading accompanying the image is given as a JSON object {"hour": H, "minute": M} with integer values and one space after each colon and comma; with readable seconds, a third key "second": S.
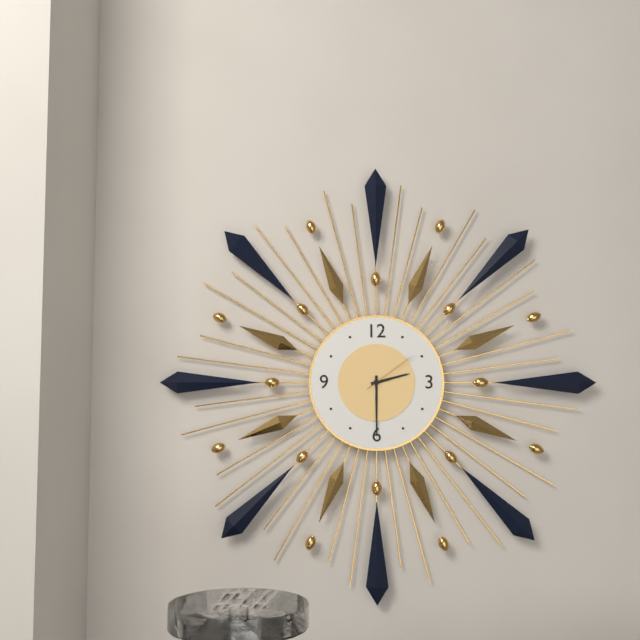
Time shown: {"hour": 2, "minute": 30, "second": 9}
